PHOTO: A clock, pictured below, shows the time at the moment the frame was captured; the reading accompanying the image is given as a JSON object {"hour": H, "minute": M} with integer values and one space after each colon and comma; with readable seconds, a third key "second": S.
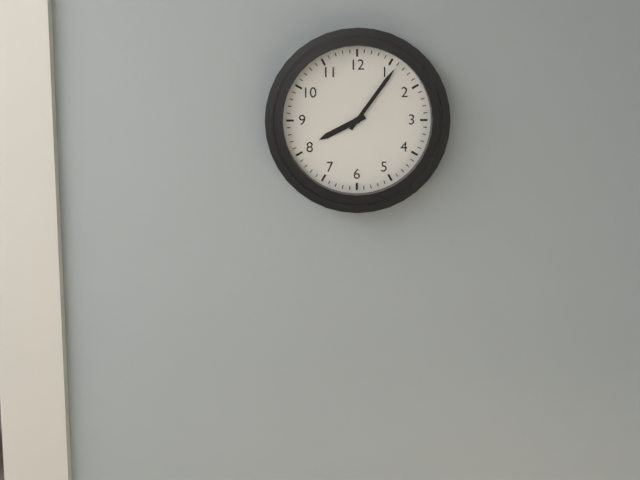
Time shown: {"hour": 8, "minute": 6}
